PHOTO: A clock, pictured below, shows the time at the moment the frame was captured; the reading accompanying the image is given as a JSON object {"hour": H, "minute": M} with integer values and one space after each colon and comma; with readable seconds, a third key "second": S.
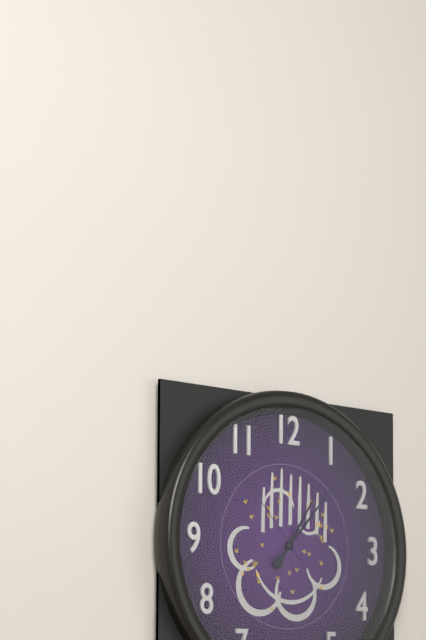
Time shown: {"hour": 1, "minute": 7, "second": 53}
